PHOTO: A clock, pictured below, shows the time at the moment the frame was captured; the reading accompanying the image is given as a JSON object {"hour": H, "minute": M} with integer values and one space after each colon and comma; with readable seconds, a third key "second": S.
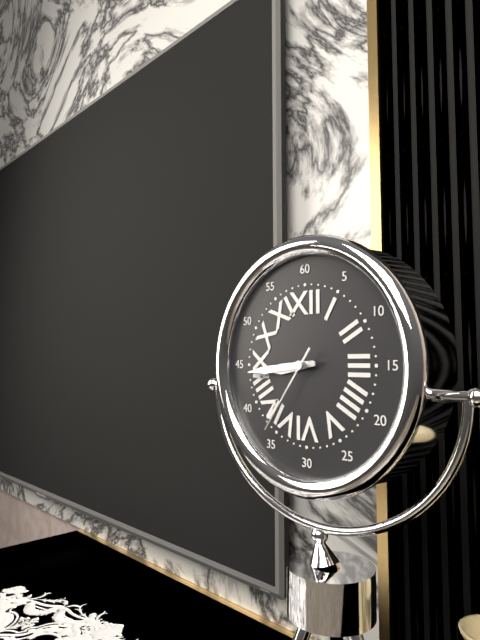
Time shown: {"hour": 8, "minute": 44, "second": 36}
